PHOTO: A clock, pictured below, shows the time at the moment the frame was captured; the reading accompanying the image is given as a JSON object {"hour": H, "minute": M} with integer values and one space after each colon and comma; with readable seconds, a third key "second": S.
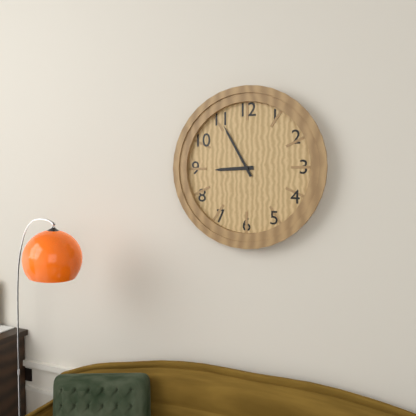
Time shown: {"hour": 8, "minute": 55}
